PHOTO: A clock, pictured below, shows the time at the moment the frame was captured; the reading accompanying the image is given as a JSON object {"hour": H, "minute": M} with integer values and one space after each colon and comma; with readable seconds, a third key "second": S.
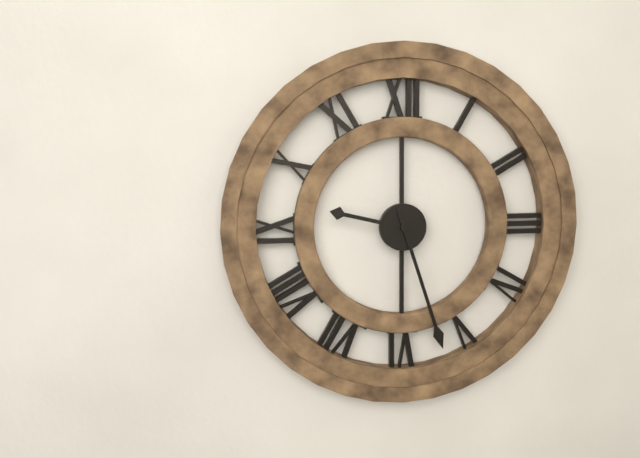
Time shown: {"hour": 9, "minute": 27}
